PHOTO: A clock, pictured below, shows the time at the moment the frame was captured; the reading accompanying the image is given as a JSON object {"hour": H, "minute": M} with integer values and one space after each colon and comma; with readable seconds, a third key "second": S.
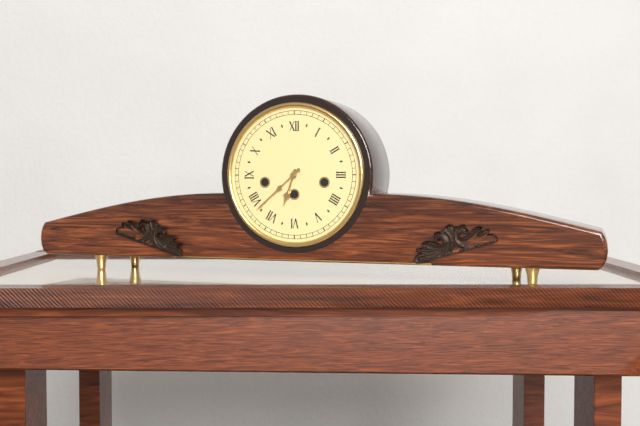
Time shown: {"hour": 6, "minute": 38}
